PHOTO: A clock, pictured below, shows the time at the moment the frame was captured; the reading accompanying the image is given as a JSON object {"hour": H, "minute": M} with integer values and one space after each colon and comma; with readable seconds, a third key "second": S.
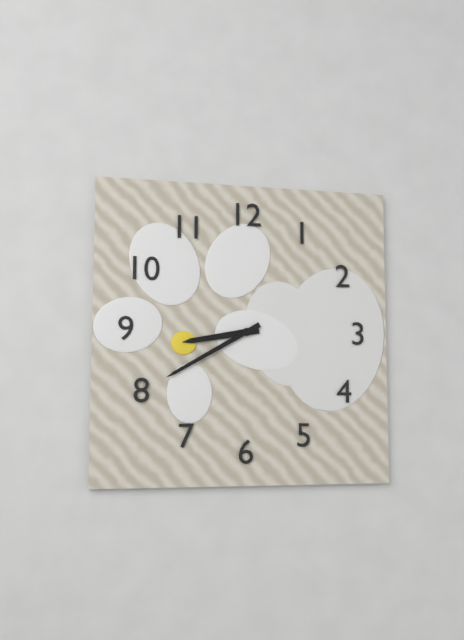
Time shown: {"hour": 8, "minute": 40}
